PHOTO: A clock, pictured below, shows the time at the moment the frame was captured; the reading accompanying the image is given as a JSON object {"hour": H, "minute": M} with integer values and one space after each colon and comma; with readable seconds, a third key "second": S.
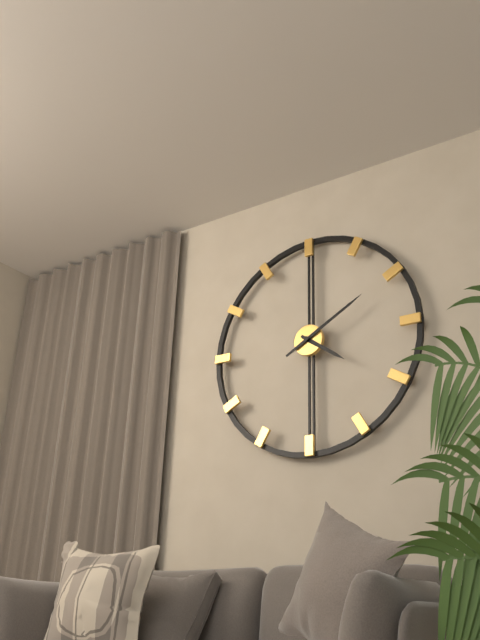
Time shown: {"hour": 4, "minute": 10}
